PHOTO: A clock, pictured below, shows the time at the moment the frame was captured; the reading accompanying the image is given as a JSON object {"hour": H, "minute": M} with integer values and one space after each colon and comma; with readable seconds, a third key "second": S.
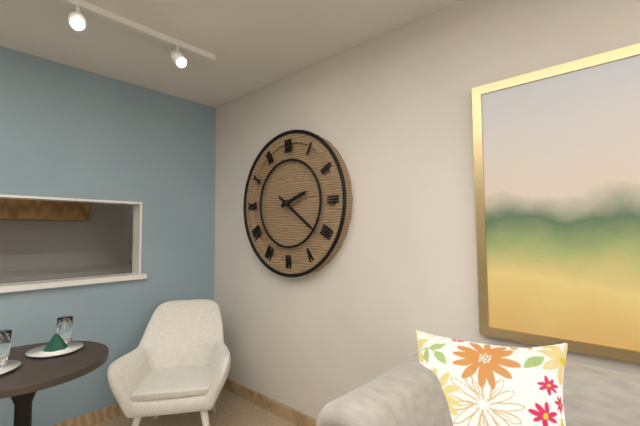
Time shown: {"hour": 2, "minute": 21}
